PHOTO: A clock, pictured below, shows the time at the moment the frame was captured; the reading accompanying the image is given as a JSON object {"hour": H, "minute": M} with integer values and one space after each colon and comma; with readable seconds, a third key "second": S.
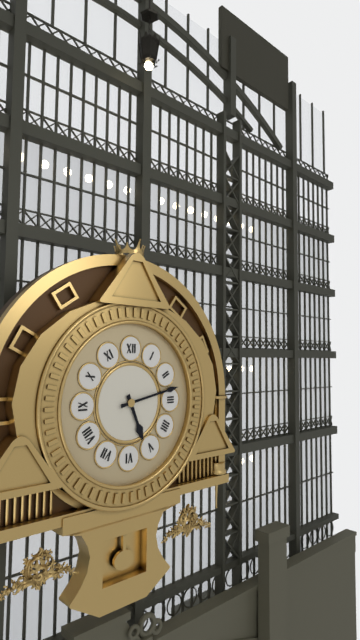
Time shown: {"hour": 5, "minute": 13}
